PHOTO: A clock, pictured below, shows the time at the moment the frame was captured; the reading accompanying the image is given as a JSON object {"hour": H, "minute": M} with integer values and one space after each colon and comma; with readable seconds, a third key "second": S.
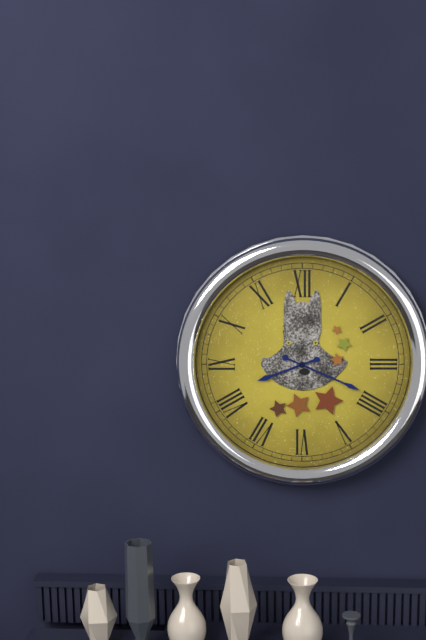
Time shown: {"hour": 8, "minute": 19}
